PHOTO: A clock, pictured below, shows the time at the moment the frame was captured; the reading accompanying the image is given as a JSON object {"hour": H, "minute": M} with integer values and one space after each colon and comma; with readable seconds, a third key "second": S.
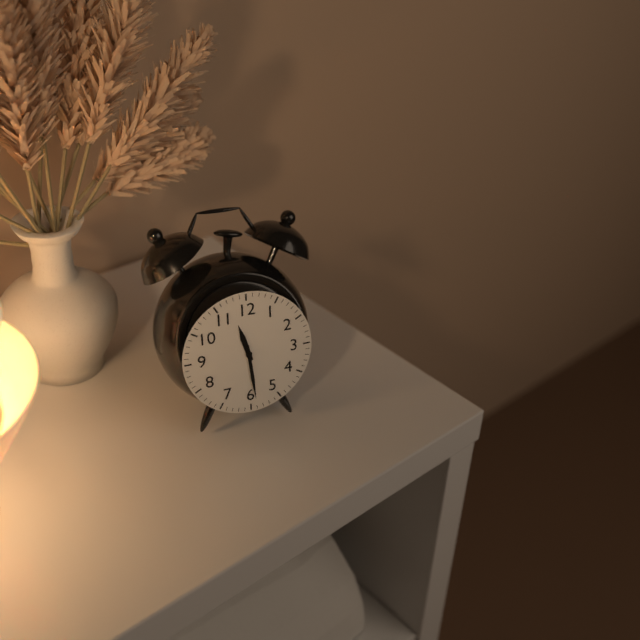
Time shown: {"hour": 11, "minute": 29}
